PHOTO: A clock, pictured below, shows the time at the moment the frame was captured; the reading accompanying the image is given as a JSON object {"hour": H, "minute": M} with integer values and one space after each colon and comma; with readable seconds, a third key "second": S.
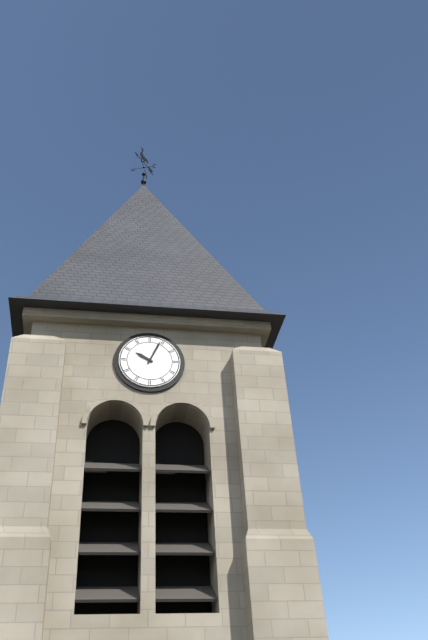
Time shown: {"hour": 10, "minute": 4}
